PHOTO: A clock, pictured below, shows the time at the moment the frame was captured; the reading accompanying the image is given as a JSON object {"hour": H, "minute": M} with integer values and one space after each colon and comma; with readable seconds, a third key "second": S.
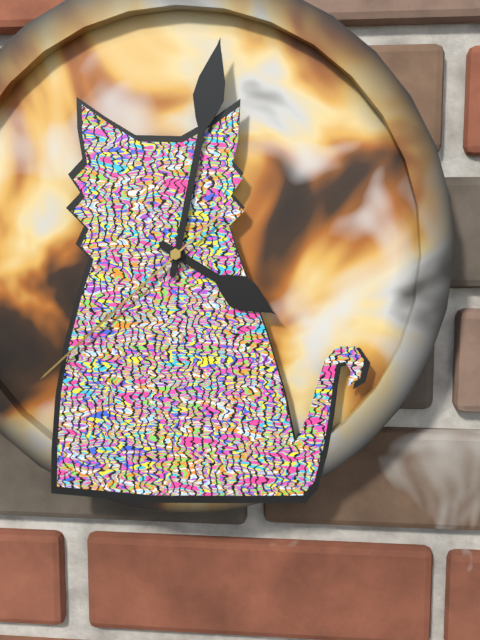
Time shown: {"hour": 4, "minute": 2, "second": 38}
